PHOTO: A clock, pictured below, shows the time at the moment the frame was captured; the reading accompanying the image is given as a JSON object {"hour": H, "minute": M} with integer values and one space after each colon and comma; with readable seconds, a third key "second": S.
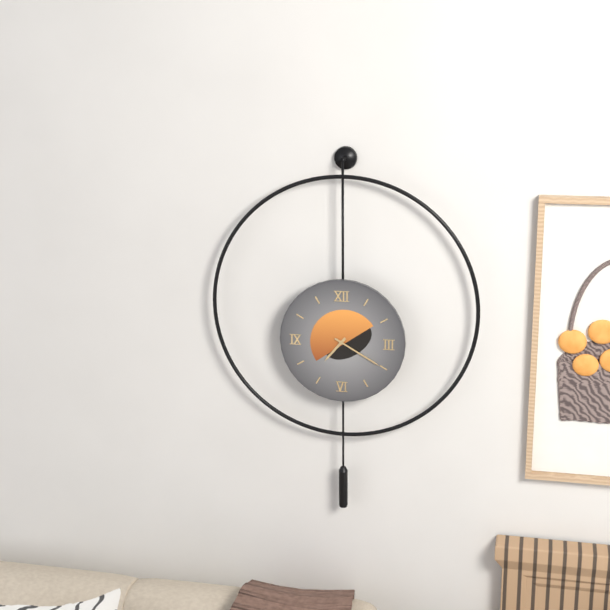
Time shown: {"hour": 7, "minute": 20}
